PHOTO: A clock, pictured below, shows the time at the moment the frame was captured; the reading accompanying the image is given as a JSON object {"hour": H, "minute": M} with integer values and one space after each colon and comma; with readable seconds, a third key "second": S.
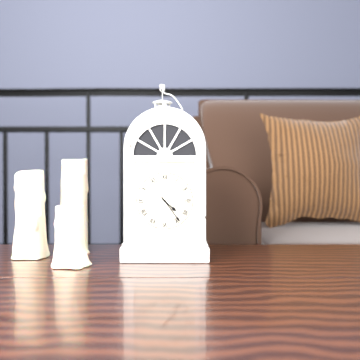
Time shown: {"hour": 4, "minute": 24}
